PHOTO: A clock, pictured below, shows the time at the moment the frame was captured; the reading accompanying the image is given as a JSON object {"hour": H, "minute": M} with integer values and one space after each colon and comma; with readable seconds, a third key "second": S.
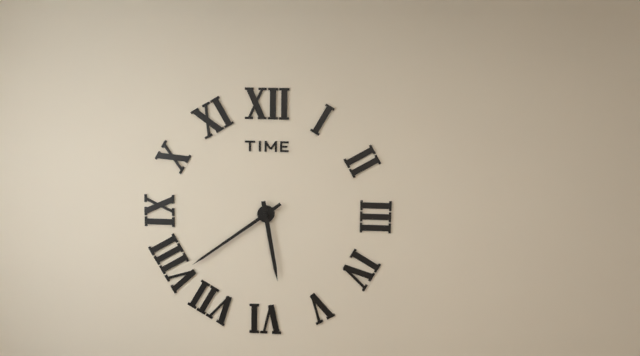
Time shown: {"hour": 5, "minute": 39}
